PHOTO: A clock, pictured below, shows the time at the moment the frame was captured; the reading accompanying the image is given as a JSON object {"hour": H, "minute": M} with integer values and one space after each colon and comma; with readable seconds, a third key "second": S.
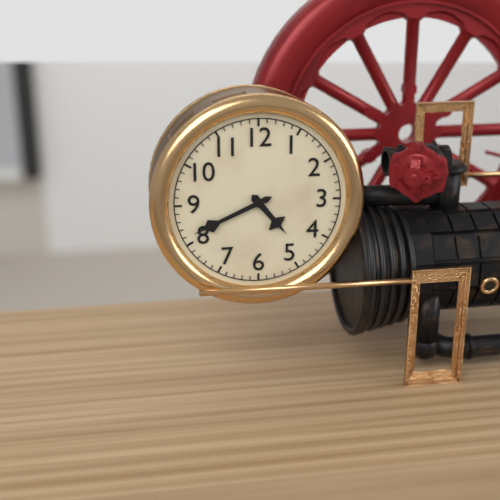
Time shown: {"hour": 4, "minute": 41}
